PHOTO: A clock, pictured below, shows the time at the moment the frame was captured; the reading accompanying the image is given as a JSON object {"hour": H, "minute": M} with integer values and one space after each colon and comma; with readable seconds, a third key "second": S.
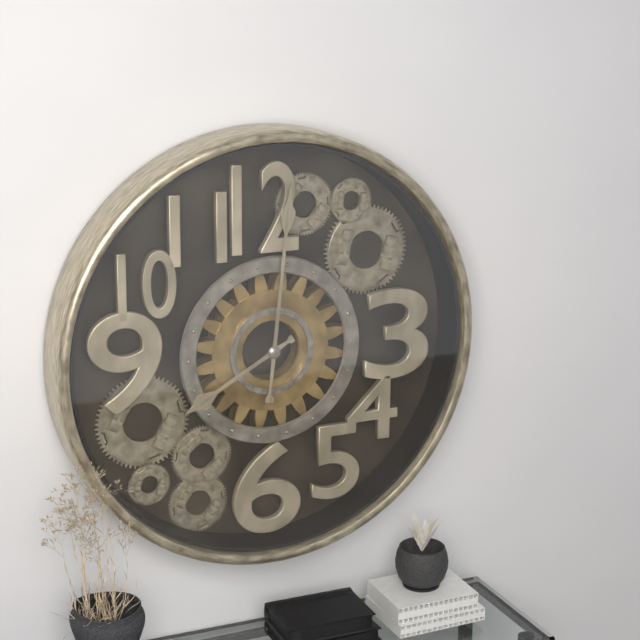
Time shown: {"hour": 8, "minute": 1}
